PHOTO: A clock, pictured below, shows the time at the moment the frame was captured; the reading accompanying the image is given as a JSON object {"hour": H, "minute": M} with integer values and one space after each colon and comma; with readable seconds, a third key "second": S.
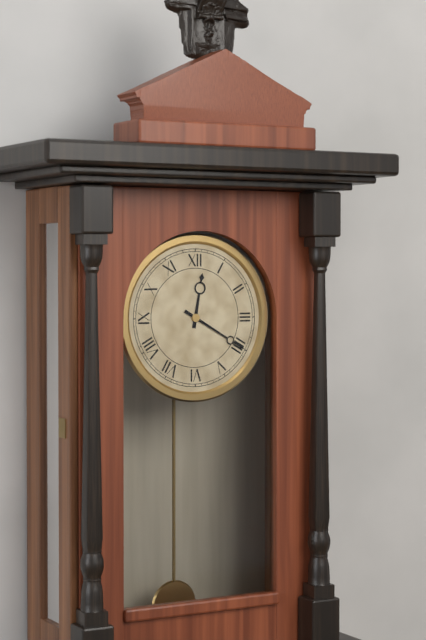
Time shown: {"hour": 12, "minute": 20}
